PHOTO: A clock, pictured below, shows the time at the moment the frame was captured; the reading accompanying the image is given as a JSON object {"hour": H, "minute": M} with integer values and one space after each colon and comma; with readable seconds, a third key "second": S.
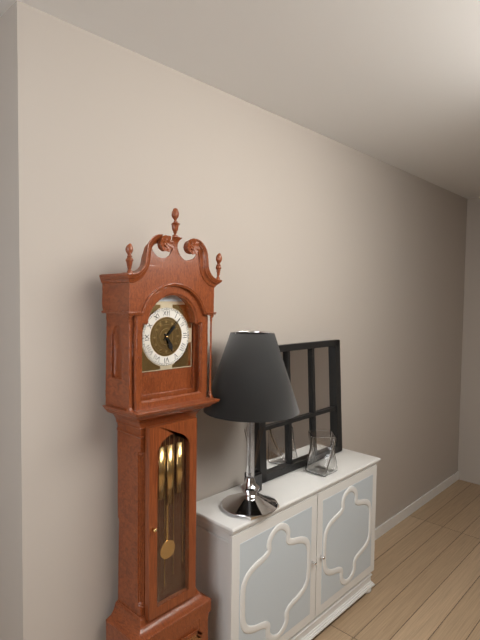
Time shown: {"hour": 5, "minute": 7}
